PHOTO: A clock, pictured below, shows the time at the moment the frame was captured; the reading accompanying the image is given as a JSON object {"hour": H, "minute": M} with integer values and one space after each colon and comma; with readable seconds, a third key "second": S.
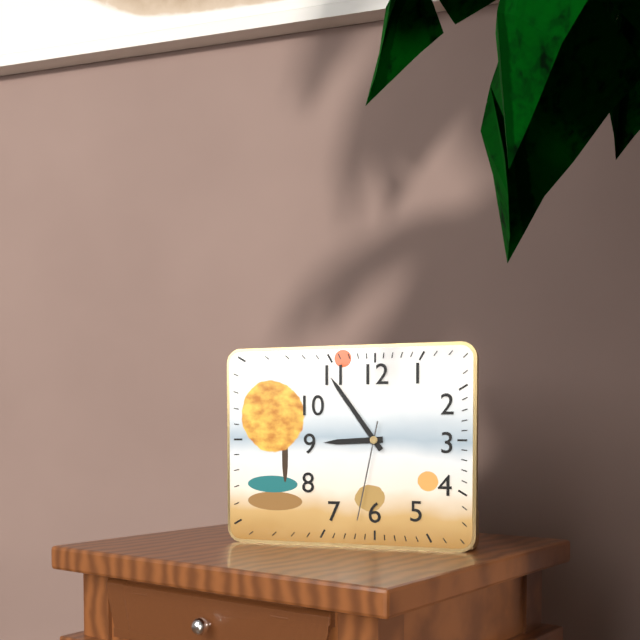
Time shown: {"hour": 8, "minute": 54, "second": 32}
